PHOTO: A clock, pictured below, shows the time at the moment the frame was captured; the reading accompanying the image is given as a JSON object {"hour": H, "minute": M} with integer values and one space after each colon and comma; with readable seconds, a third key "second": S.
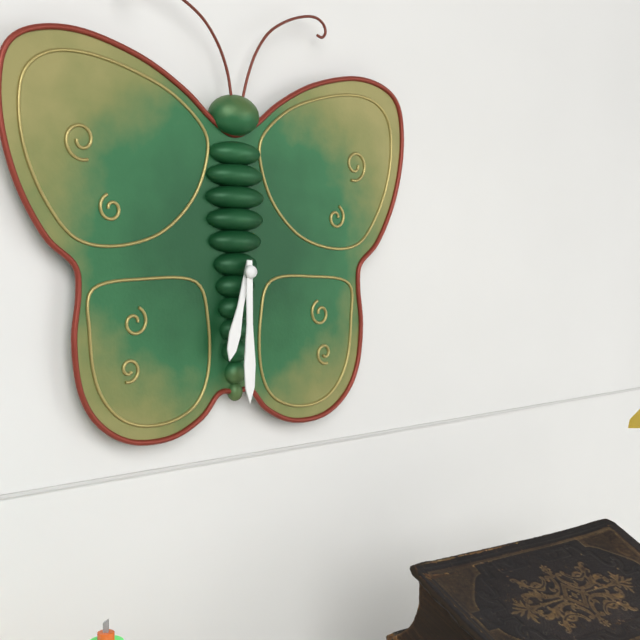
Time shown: {"hour": 6, "minute": 30}
